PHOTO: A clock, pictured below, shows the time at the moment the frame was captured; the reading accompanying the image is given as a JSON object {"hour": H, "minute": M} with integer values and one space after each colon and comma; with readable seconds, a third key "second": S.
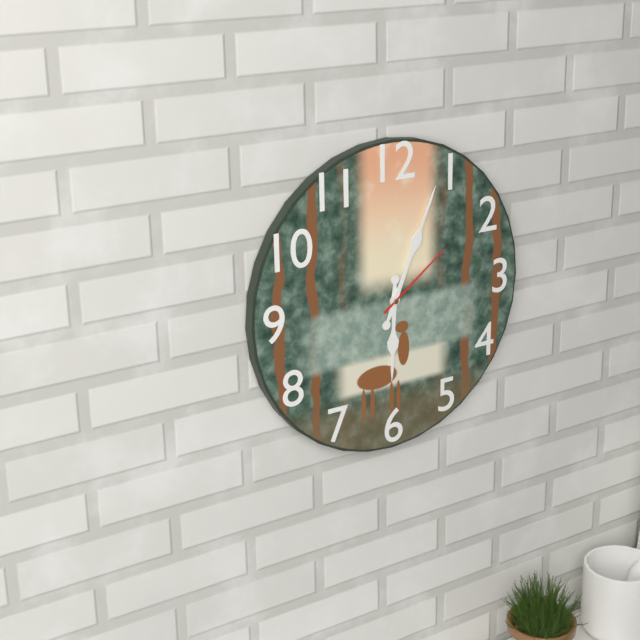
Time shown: {"hour": 6, "minute": 4, "second": 9}
